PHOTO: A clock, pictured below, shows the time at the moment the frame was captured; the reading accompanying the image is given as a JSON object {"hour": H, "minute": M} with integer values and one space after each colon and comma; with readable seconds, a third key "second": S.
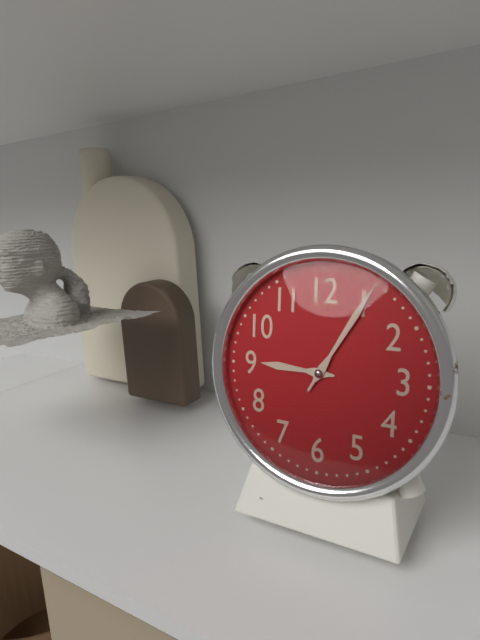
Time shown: {"hour": 9, "minute": 5}
